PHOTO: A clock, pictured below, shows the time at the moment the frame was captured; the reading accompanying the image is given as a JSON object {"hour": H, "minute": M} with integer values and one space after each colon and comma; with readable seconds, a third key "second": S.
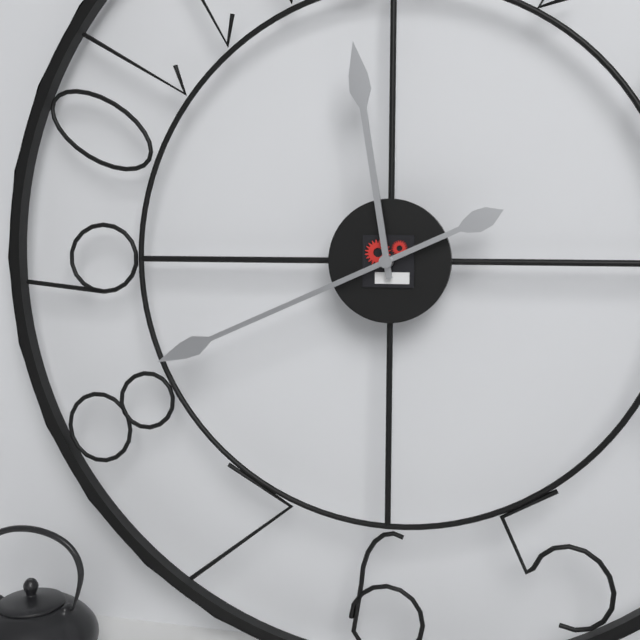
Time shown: {"hour": 11, "minute": 41}
